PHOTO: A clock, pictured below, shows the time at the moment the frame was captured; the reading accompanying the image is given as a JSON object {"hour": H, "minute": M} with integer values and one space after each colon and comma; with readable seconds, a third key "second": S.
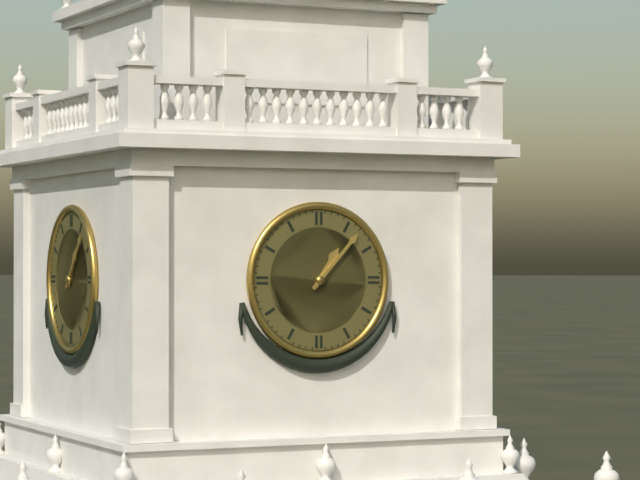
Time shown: {"hour": 1, "minute": 7}
